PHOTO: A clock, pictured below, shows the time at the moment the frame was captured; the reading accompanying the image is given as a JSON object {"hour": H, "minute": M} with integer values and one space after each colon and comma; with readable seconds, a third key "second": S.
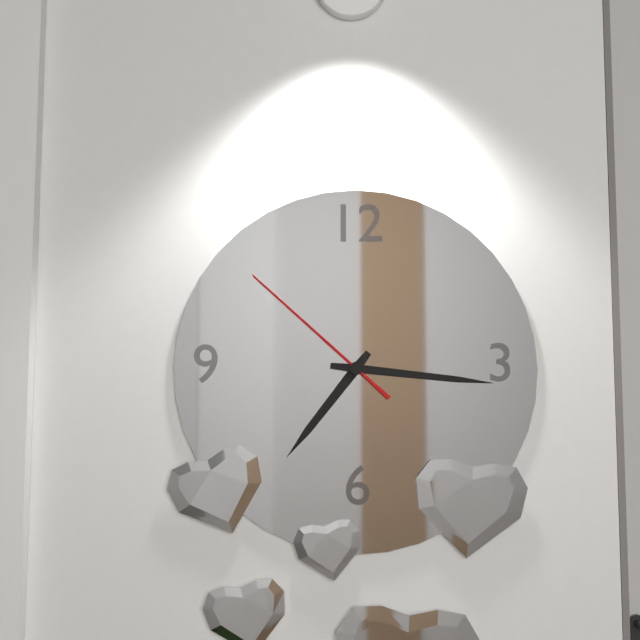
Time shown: {"hour": 7, "minute": 16, "second": 52}
